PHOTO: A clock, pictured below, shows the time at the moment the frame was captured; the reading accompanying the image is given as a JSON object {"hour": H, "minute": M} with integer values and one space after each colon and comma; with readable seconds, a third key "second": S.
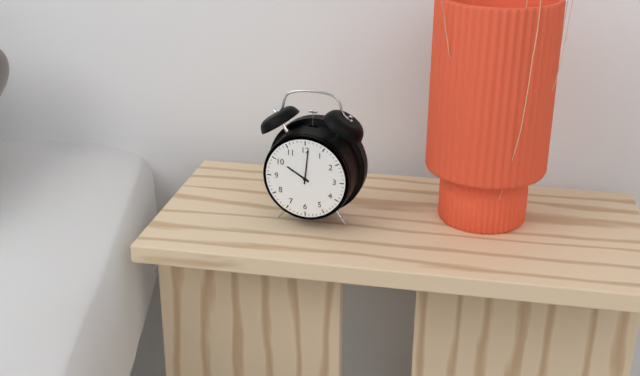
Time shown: {"hour": 10, "minute": 1}
